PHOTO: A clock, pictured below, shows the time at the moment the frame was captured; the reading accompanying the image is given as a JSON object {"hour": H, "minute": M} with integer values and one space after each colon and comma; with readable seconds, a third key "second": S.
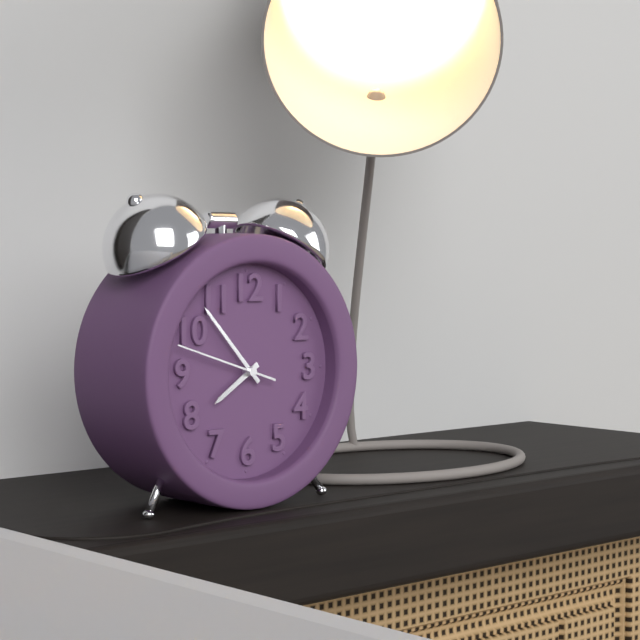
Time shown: {"hour": 7, "minute": 53, "second": 48}
